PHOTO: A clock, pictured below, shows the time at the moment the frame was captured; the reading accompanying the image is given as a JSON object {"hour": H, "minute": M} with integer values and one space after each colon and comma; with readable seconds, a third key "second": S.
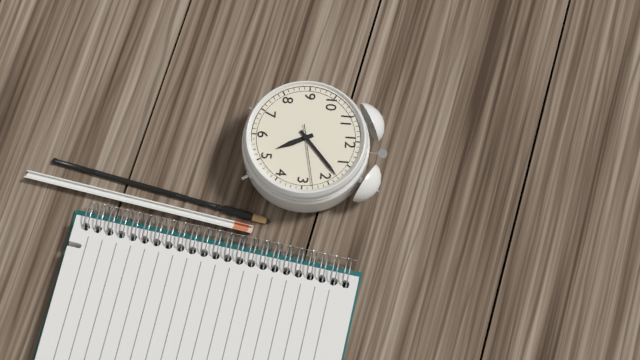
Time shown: {"hour": 5, "minute": 8, "second": 13}
